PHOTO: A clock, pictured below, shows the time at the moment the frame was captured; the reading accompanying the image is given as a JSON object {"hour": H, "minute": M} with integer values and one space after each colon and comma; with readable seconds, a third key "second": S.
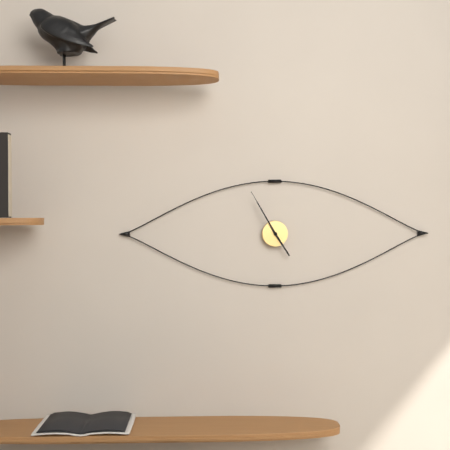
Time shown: {"hour": 4, "minute": 55, "second": 55}
